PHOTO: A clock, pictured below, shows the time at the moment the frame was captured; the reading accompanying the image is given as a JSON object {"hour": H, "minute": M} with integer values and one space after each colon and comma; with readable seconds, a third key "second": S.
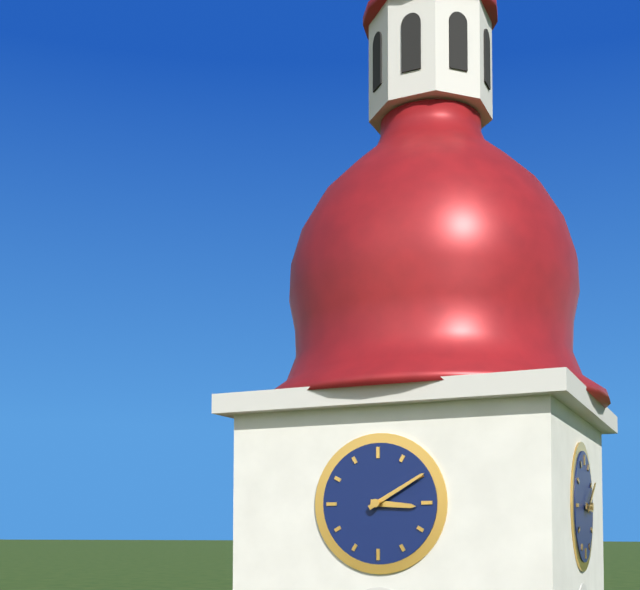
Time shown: {"hour": 3, "minute": 10}
